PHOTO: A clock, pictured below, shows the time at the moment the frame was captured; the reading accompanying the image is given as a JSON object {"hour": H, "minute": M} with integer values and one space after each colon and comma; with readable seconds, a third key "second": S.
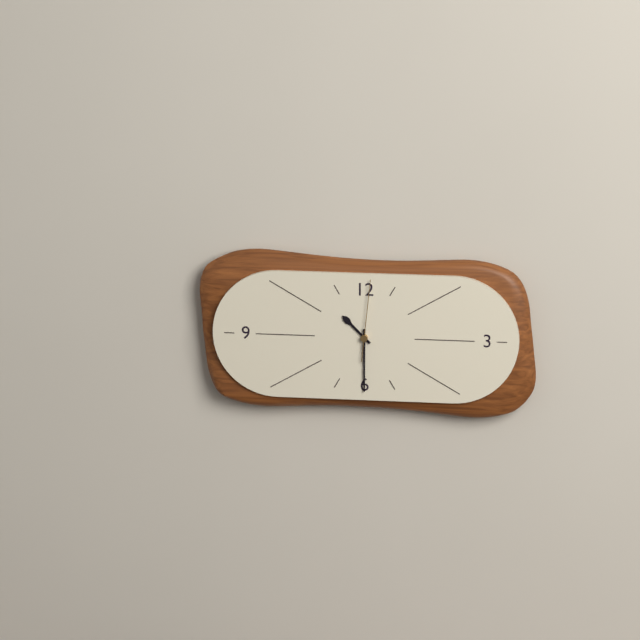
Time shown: {"hour": 10, "minute": 30, "second": 1}
